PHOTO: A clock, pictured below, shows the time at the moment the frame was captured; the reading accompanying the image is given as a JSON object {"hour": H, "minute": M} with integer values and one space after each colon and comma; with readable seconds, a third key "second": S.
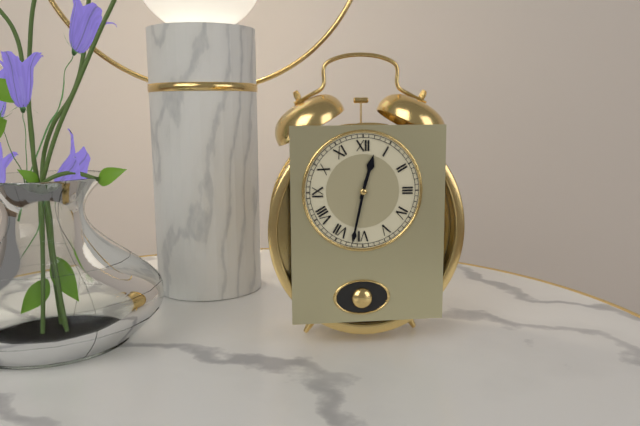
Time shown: {"hour": 12, "minute": 32}
